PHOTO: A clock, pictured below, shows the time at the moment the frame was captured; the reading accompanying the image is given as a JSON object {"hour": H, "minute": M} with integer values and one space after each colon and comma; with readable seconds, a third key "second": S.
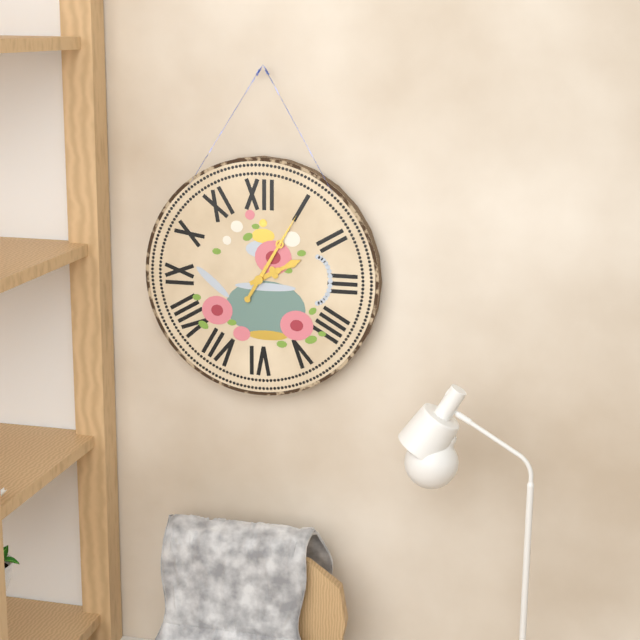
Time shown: {"hour": 2, "minute": 5}
